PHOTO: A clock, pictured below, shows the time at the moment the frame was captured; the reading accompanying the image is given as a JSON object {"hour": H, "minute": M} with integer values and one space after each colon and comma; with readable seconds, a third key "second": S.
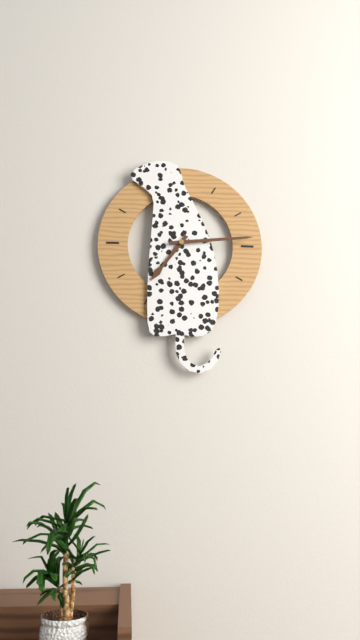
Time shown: {"hour": 7, "minute": 14}
